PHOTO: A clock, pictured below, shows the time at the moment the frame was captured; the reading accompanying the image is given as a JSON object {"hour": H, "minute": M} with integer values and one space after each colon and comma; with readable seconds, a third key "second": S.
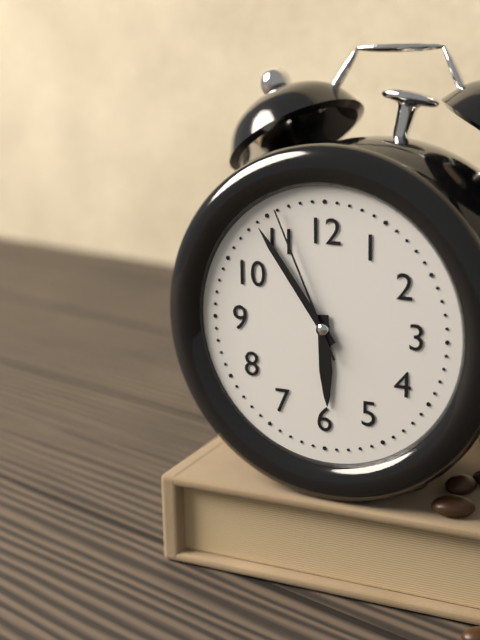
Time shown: {"hour": 5, "minute": 54, "second": 56}
